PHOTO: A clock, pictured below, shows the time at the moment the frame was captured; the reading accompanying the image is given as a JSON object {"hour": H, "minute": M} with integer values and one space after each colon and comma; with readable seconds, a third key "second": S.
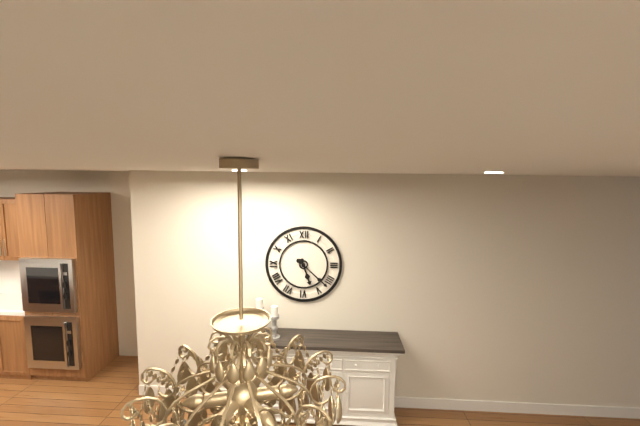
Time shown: {"hour": 5, "minute": 22}
